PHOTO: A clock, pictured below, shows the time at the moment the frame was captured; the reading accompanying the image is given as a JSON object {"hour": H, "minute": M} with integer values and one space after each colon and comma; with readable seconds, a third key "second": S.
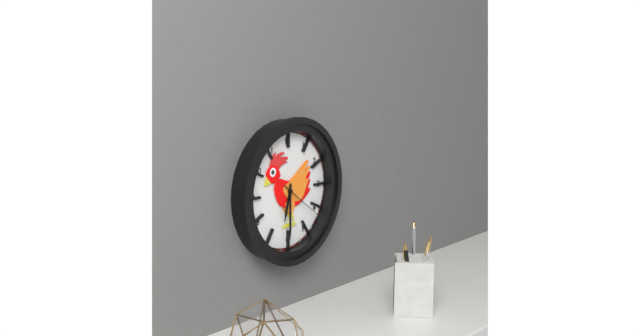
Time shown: {"hour": 6, "minute": 30}
